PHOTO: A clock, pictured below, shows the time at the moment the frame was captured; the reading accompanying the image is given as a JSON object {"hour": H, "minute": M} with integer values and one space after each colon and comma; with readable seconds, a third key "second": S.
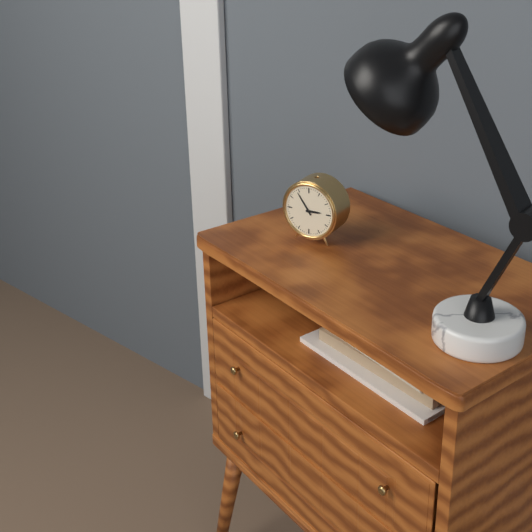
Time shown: {"hour": 2, "minute": 54}
